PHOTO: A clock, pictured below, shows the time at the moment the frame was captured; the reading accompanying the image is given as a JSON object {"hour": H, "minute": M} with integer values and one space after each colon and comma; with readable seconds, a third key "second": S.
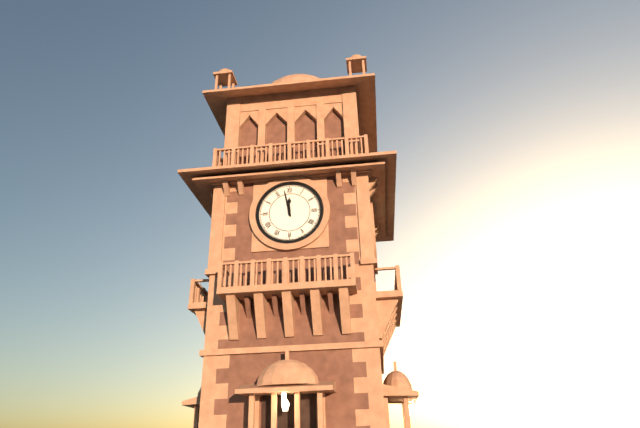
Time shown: {"hour": 11, "minute": 58}
